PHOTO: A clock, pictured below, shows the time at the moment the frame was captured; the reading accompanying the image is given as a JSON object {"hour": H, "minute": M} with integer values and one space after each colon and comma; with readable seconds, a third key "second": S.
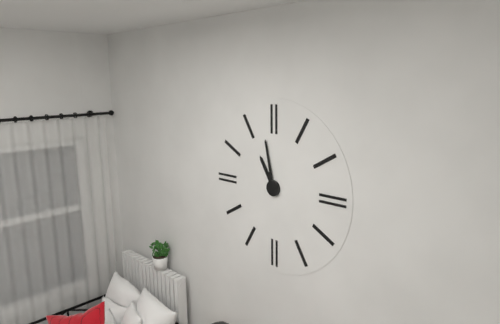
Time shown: {"hour": 10, "minute": 58}
